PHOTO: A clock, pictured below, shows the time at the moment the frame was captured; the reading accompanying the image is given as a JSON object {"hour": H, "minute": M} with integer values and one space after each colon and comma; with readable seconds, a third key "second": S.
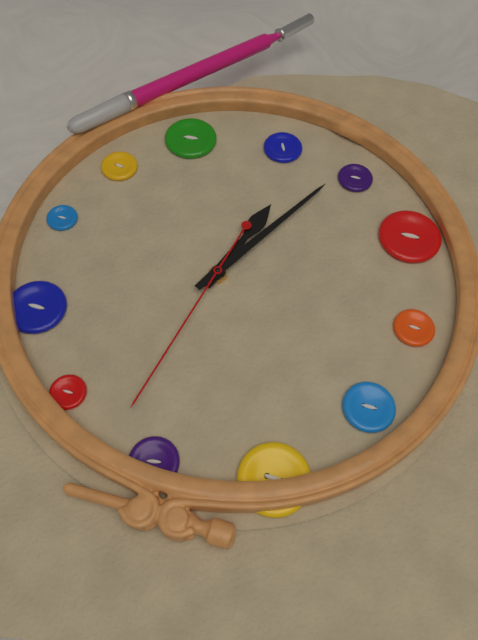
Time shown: {"hour": 6, "minute": 35, "second": 2}
